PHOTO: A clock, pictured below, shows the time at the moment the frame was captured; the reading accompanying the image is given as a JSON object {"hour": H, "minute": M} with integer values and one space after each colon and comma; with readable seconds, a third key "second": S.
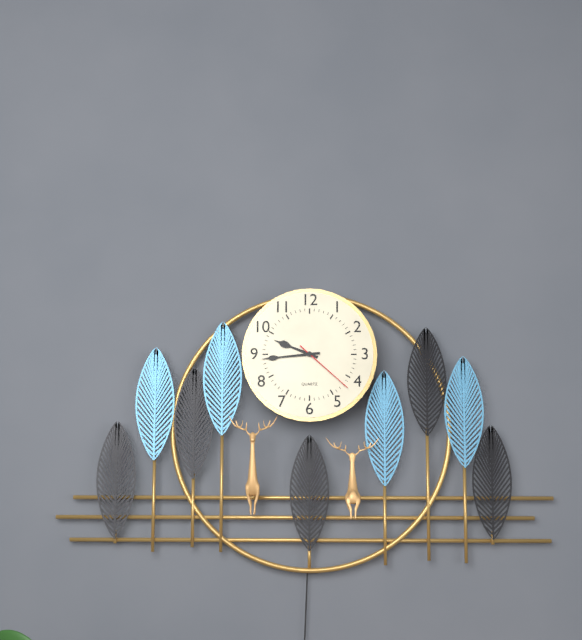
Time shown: {"hour": 9, "minute": 44, "second": 22}
